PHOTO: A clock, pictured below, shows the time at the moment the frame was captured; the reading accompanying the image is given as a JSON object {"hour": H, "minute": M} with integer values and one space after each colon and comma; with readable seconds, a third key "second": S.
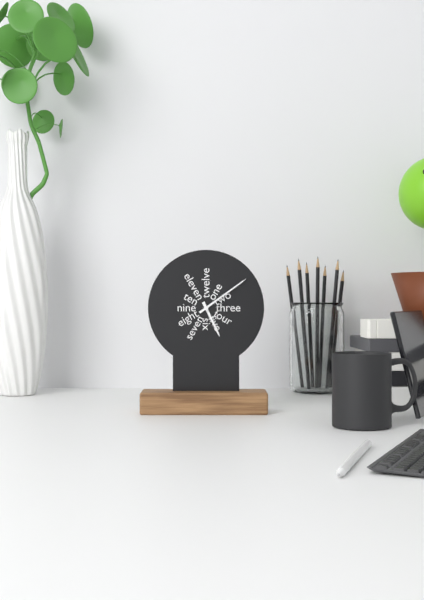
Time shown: {"hour": 5, "minute": 9}
